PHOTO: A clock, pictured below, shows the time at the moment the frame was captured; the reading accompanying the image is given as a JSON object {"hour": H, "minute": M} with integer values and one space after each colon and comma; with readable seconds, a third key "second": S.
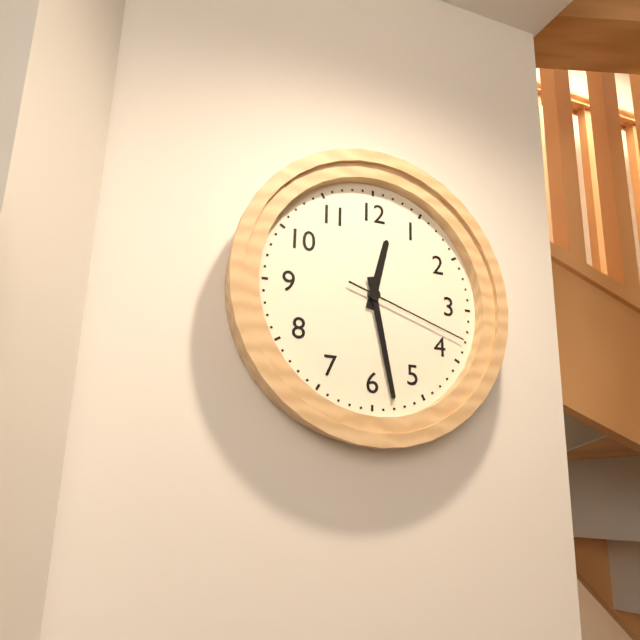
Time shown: {"hour": 12, "minute": 28, "second": 18}
